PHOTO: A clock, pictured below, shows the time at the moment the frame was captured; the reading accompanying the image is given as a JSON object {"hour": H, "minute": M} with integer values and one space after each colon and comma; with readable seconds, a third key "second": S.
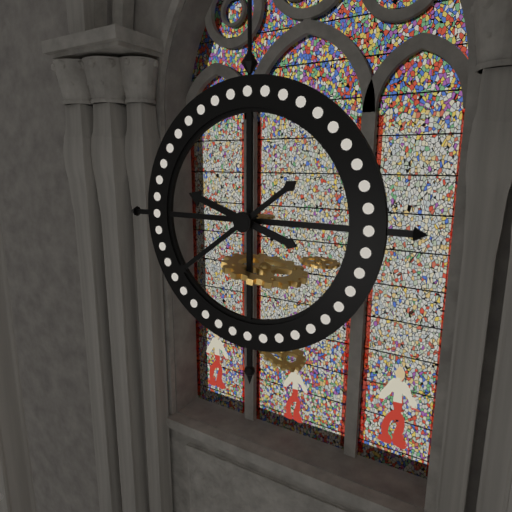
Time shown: {"hour": 9, "minute": 39}
